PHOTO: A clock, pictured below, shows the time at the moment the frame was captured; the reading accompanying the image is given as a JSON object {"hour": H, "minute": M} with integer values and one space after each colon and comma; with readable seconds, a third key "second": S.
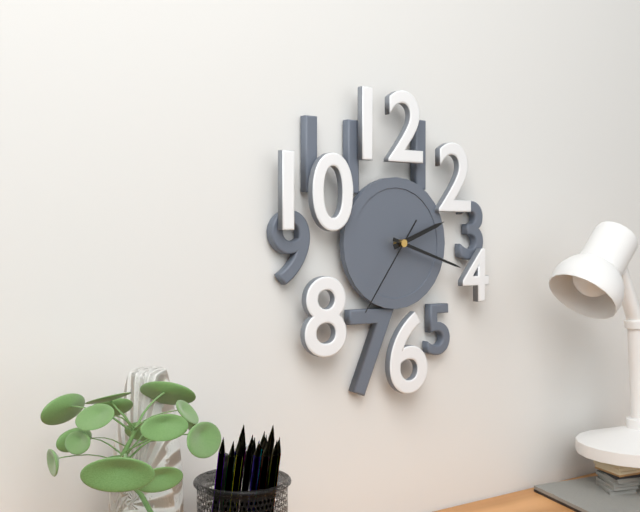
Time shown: {"hour": 2, "minute": 18, "second": 36}
